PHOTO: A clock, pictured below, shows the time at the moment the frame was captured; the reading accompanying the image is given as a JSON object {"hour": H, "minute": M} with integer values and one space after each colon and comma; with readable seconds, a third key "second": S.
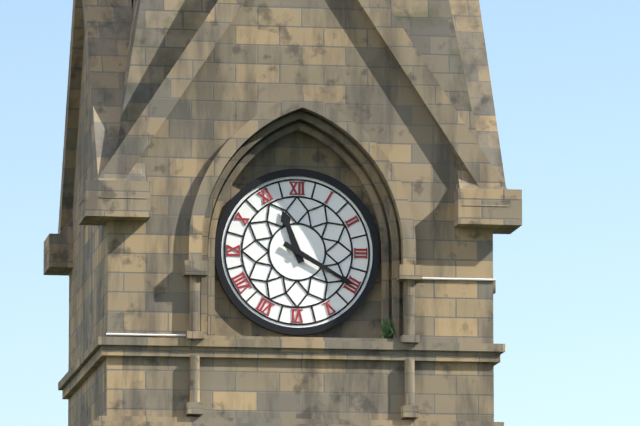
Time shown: {"hour": 11, "minute": 20}
